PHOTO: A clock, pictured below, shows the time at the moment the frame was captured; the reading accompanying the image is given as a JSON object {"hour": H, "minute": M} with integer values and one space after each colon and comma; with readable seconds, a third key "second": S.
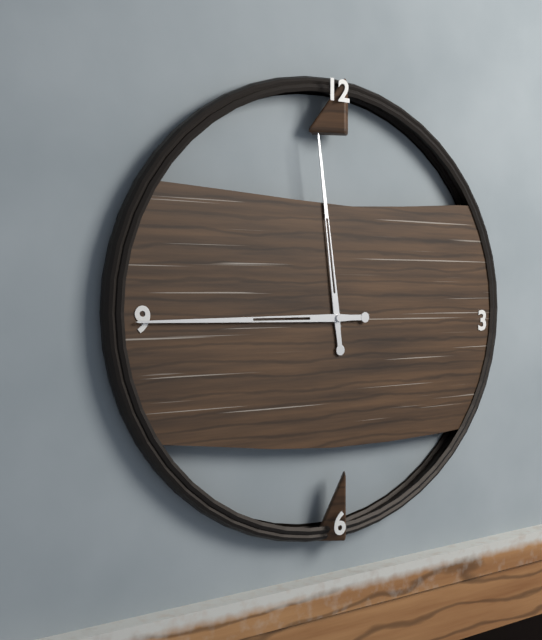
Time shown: {"hour": 11, "minute": 45}
